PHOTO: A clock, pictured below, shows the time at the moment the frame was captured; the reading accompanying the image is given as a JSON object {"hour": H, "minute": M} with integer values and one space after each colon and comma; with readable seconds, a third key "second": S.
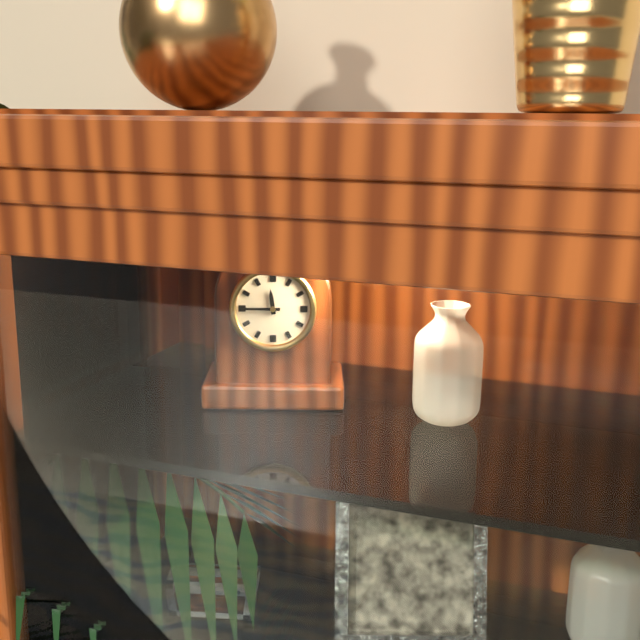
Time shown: {"hour": 11, "minute": 45}
